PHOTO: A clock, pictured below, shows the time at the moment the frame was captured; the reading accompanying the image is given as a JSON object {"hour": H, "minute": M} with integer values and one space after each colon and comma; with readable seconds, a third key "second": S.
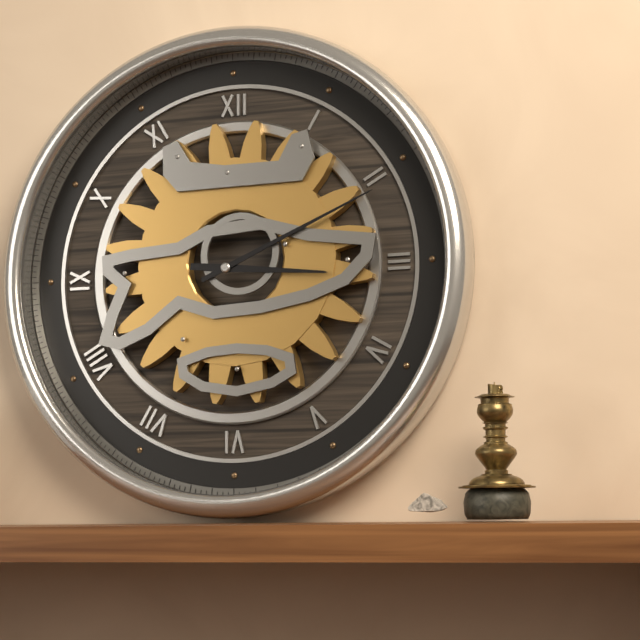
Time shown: {"hour": 3, "minute": 11}
